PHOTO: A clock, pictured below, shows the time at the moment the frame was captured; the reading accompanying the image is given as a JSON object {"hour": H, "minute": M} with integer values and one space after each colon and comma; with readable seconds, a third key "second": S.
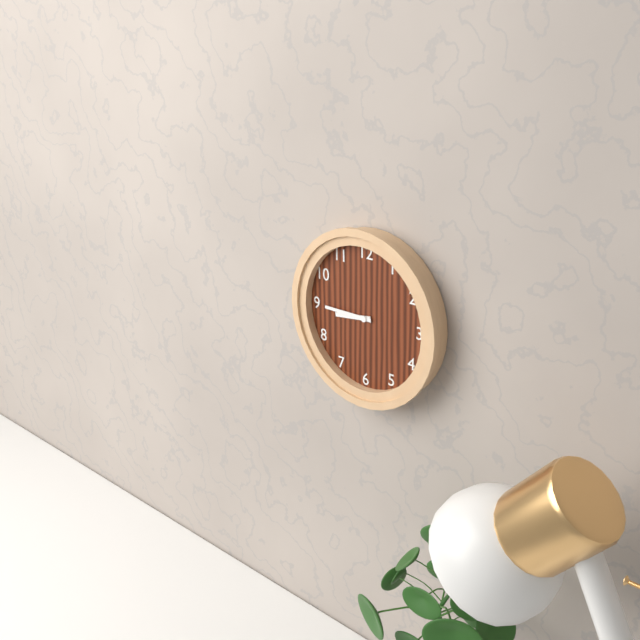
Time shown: {"hour": 8, "minute": 45}
